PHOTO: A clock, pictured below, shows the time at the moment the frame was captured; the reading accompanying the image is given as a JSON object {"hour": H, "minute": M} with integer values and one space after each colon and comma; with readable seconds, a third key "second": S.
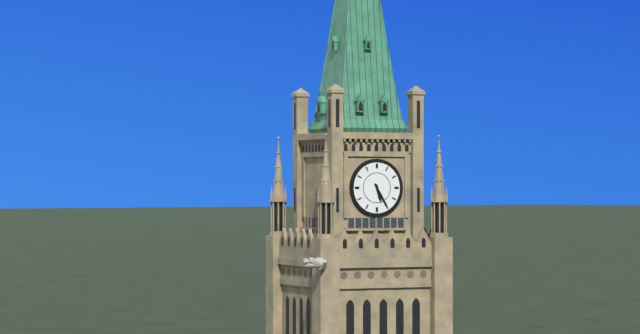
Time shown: {"hour": 5, "minute": 25}
